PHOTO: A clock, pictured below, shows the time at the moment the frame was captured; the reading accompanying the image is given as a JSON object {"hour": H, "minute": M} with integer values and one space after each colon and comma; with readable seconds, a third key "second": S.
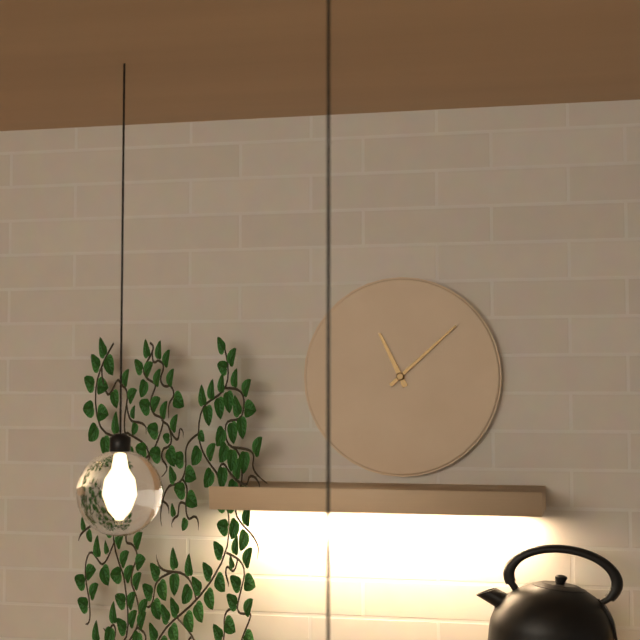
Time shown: {"hour": 11, "minute": 8}
